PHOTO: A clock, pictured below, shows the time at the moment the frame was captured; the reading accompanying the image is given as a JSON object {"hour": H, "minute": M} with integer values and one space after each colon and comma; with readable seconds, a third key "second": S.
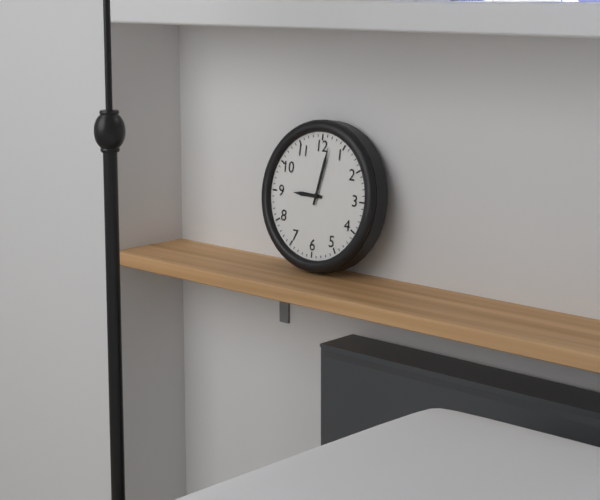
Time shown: {"hour": 9, "minute": 2}
